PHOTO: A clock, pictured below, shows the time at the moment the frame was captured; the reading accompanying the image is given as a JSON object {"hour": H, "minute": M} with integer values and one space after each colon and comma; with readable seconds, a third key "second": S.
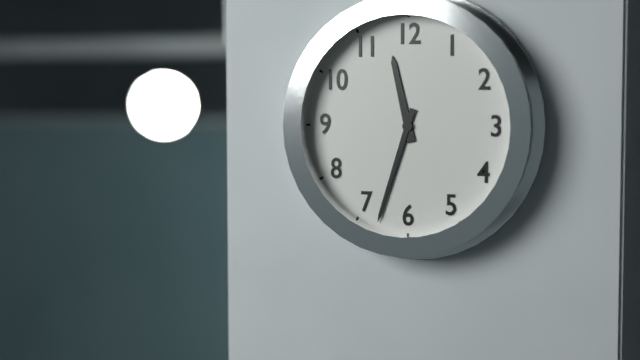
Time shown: {"hour": 11, "minute": 33}
